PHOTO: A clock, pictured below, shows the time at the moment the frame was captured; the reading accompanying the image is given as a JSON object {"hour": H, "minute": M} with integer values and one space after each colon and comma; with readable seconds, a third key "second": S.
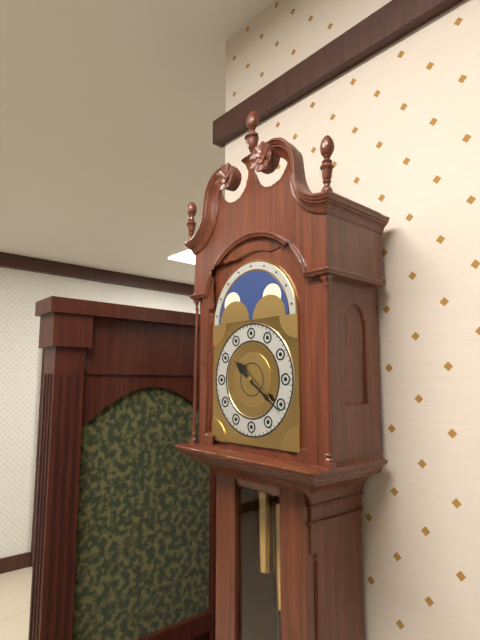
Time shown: {"hour": 10, "minute": 21}
